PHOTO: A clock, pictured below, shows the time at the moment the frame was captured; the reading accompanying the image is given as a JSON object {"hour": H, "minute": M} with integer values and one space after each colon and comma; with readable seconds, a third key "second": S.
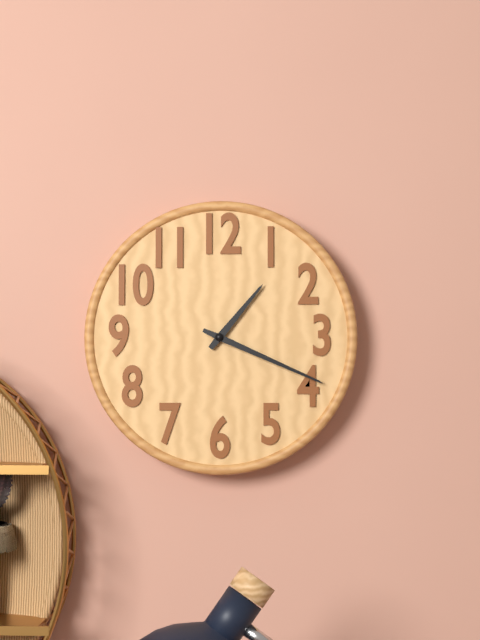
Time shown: {"hour": 1, "minute": 19}
